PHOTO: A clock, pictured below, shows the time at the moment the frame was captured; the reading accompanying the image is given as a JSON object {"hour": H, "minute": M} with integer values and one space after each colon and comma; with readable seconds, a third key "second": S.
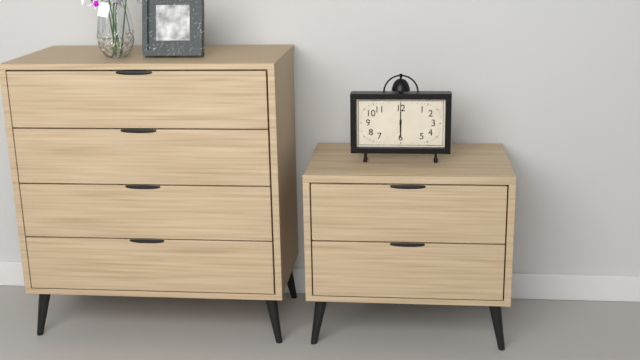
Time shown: {"hour": 6, "minute": 0}
